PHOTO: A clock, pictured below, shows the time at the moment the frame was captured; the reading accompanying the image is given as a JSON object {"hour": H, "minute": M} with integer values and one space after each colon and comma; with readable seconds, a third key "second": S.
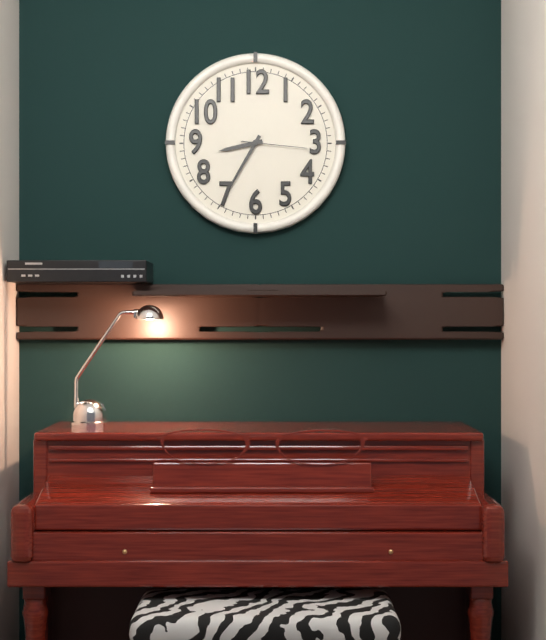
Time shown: {"hour": 8, "minute": 35, "second": 16}
